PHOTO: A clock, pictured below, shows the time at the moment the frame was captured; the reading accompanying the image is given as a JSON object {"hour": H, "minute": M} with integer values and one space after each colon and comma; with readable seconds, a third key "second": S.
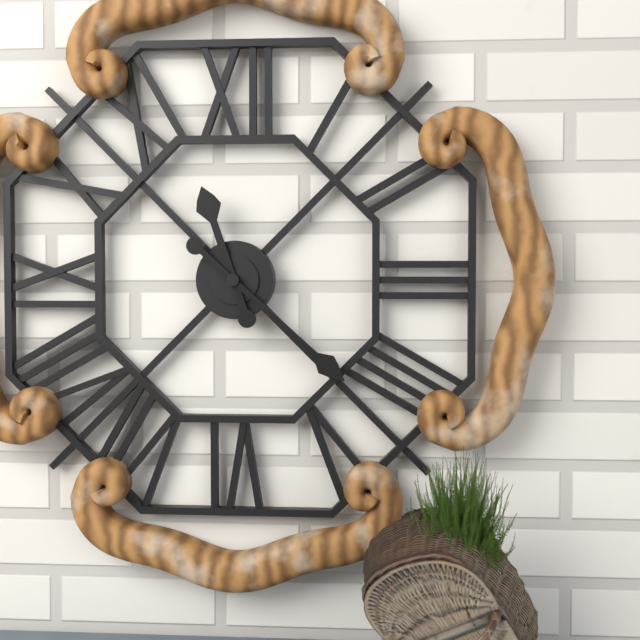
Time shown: {"hour": 11, "minute": 22}
